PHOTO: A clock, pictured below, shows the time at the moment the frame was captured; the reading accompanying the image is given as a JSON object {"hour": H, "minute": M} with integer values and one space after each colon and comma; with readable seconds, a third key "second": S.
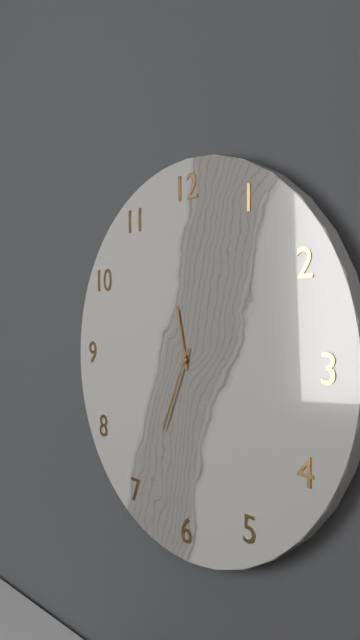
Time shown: {"hour": 11, "minute": 34}
